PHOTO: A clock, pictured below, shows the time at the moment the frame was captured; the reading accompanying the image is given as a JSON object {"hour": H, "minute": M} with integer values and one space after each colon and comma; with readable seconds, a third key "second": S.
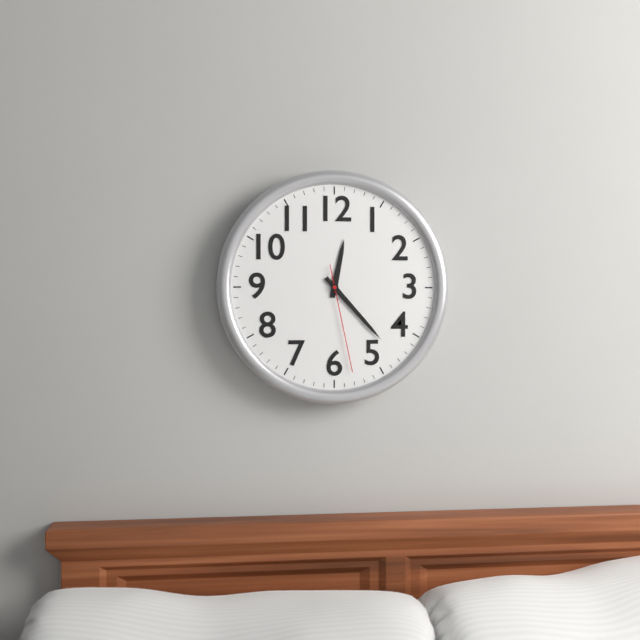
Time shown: {"hour": 12, "minute": 23, "second": 28}
